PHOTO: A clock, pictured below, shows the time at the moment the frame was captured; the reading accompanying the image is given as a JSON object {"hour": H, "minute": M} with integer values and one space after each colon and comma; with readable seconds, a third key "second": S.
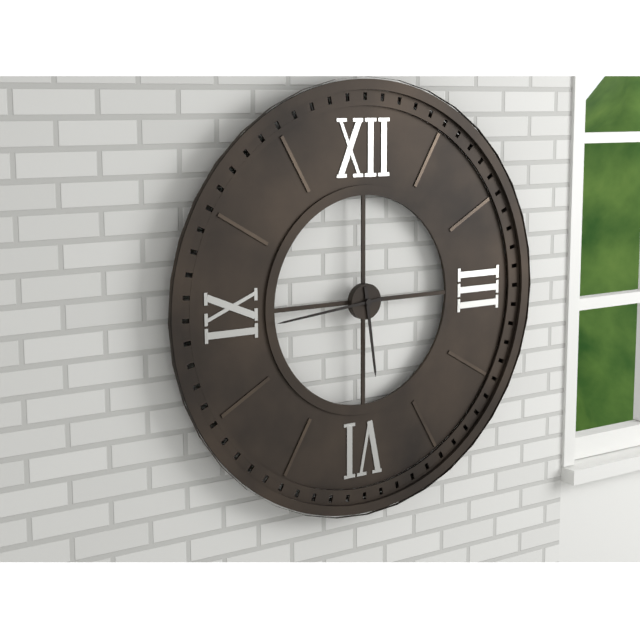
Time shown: {"hour": 5, "minute": 44}
